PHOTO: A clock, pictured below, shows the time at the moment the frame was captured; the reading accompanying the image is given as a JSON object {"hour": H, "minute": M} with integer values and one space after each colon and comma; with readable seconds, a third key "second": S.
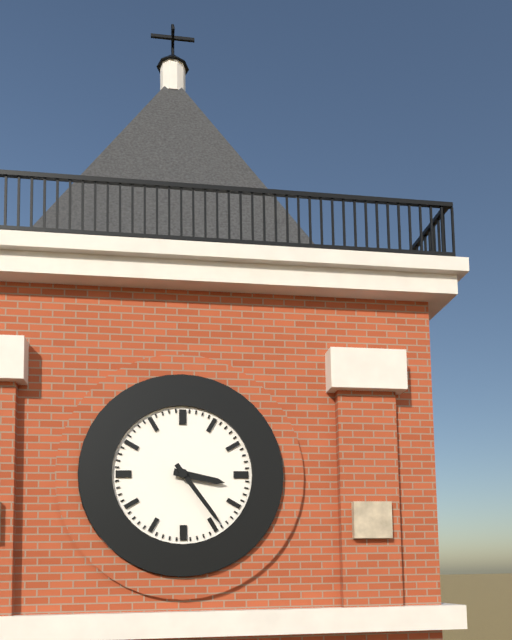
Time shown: {"hour": 3, "minute": 24}
